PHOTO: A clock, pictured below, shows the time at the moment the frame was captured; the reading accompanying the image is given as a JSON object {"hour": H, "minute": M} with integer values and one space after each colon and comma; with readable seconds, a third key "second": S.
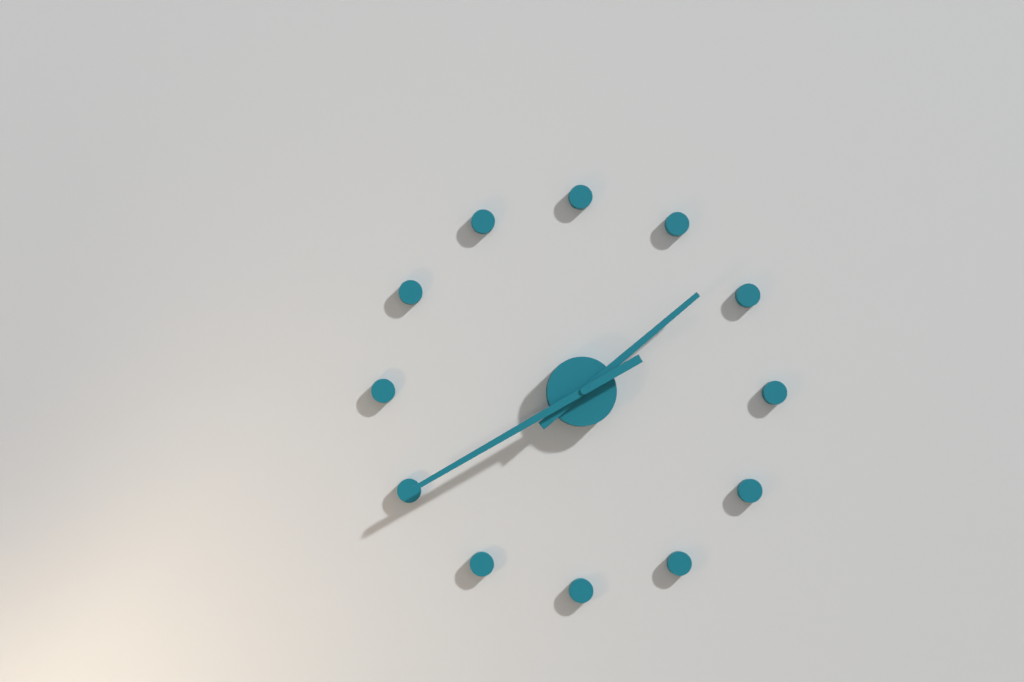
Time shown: {"hour": 1, "minute": 40}
